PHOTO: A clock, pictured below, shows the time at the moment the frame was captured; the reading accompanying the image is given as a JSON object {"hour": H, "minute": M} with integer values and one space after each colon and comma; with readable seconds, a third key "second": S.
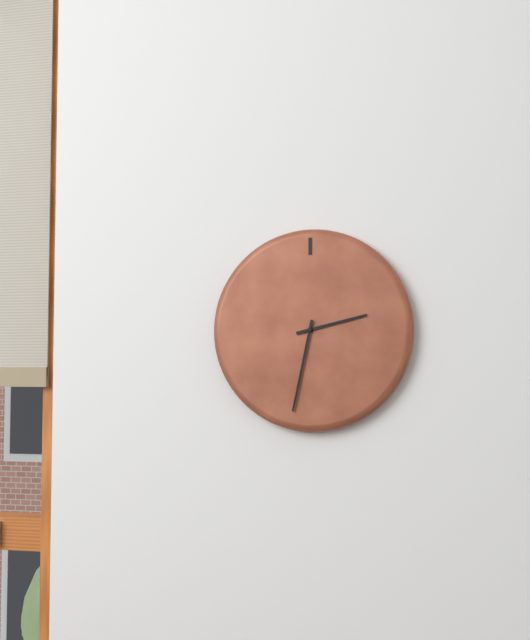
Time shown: {"hour": 2, "minute": 32}
